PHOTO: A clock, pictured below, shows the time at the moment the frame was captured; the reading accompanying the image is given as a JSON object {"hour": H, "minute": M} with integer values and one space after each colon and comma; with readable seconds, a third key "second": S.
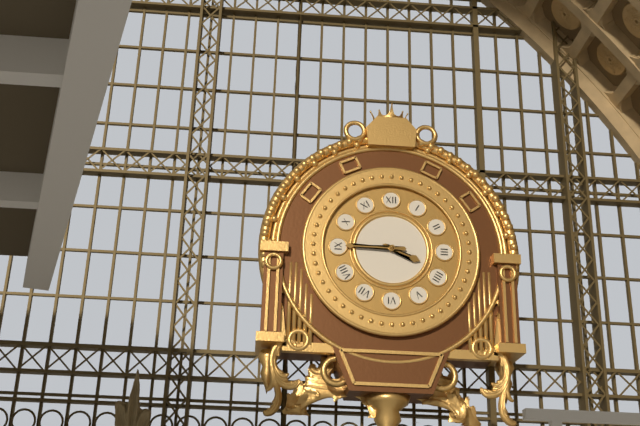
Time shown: {"hour": 3, "minute": 45}
